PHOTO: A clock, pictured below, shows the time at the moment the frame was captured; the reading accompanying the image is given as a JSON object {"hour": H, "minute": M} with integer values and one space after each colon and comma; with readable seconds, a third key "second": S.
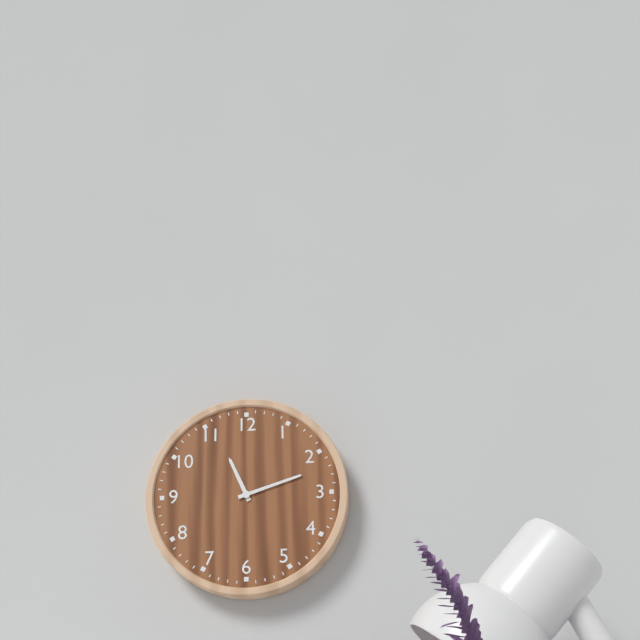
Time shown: {"hour": 11, "minute": 12}
